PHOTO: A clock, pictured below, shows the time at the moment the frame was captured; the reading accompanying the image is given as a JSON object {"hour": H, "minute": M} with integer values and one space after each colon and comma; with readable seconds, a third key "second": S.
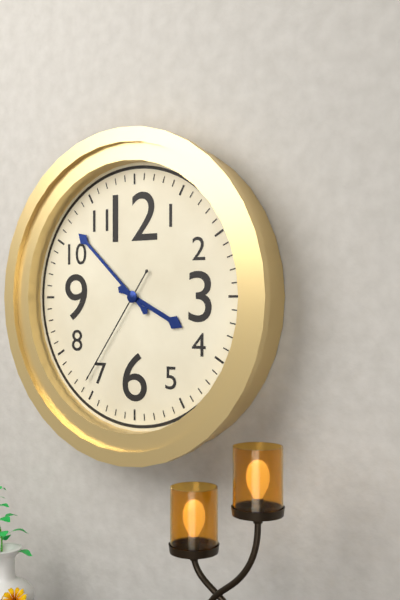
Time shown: {"hour": 3, "minute": 52, "second": 36}
